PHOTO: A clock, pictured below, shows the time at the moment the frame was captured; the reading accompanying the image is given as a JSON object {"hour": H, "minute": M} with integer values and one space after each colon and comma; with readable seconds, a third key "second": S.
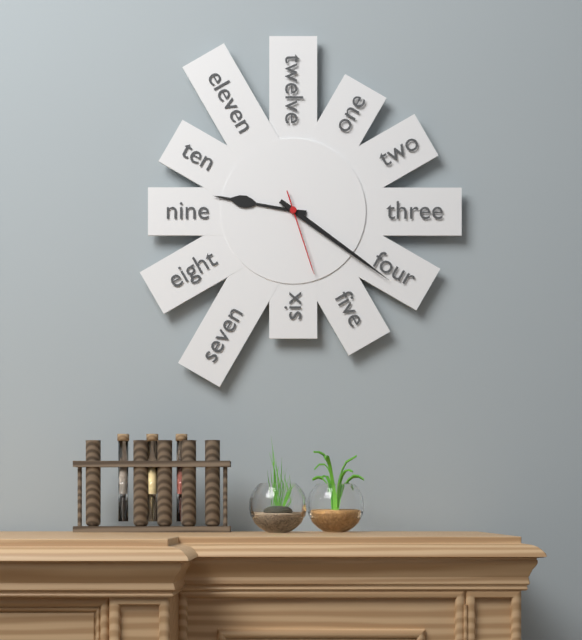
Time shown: {"hour": 9, "minute": 21, "second": 27}
